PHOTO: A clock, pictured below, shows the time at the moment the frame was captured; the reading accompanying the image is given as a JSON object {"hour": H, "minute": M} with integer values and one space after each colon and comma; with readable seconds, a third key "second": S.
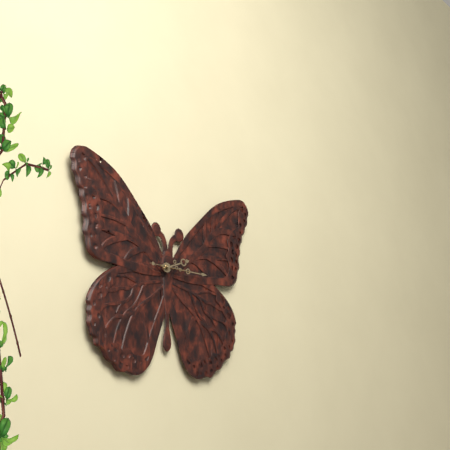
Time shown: {"hour": 2, "minute": 15}
